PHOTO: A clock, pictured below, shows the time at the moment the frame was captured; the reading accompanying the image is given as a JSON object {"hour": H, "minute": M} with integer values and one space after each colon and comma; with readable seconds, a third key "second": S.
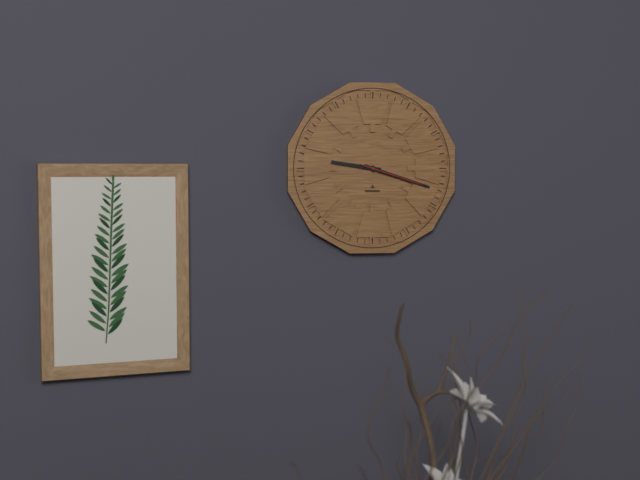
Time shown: {"hour": 9, "minute": 18, "second": 18}
